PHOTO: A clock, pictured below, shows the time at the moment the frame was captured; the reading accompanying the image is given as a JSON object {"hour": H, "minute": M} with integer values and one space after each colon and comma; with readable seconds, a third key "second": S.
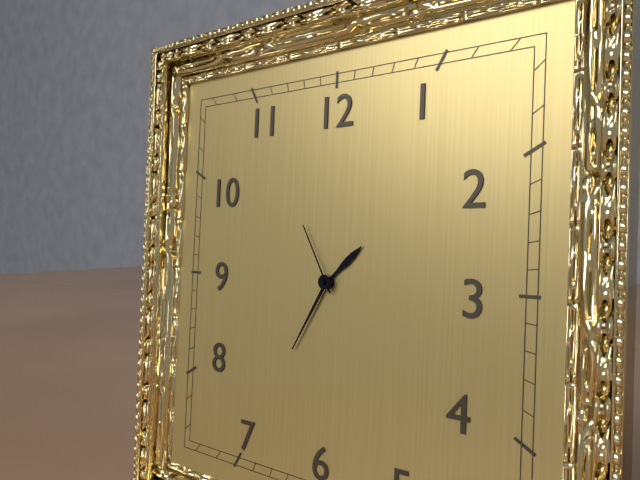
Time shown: {"hour": 1, "minute": 35, "second": 55}
